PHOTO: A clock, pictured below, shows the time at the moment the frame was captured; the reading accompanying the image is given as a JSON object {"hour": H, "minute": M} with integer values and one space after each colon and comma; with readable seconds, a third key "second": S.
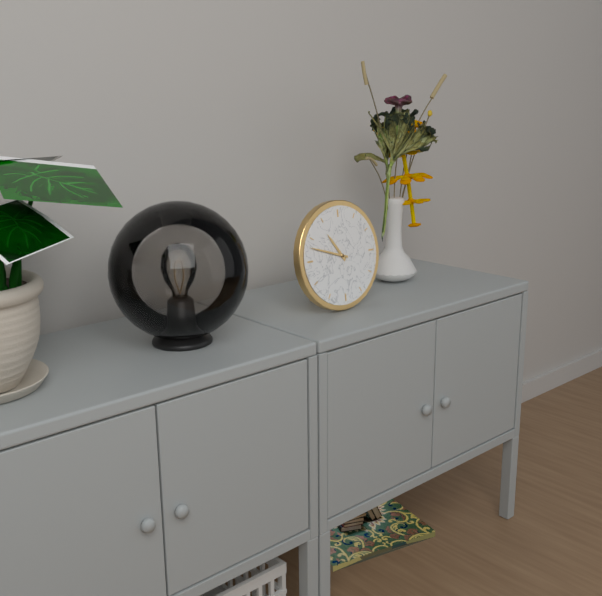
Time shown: {"hour": 10, "minute": 48}
